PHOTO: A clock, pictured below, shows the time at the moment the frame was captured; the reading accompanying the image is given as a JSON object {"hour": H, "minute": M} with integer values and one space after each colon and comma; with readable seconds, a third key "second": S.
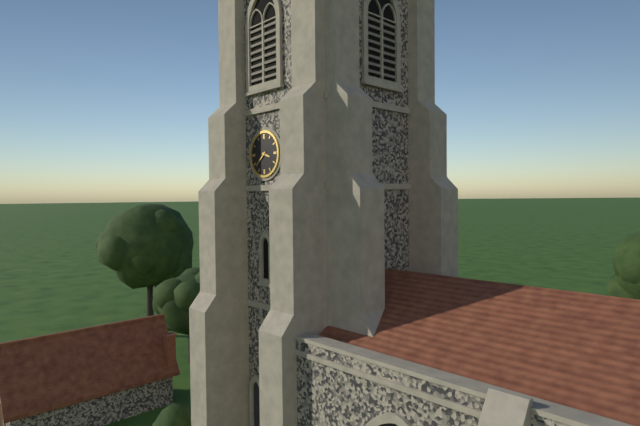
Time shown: {"hour": 3, "minute": 38}
